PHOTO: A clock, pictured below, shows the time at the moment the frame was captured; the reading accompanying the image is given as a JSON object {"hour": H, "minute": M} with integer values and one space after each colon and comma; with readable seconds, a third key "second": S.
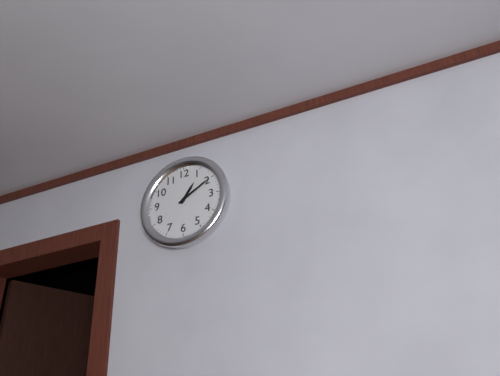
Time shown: {"hour": 1, "minute": 10}
